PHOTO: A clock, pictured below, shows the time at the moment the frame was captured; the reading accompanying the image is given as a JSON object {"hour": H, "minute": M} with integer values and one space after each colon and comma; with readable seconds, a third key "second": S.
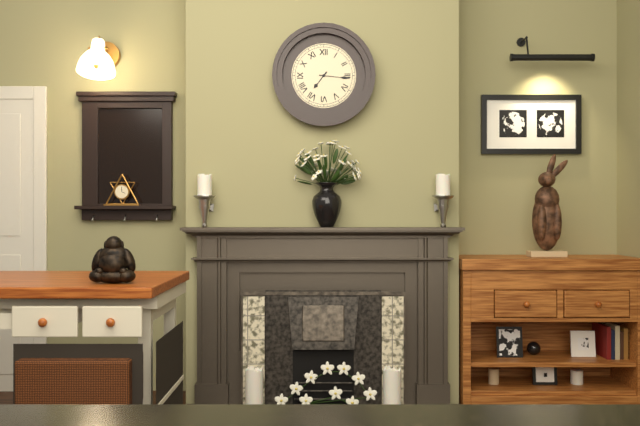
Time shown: {"hour": 7, "minute": 16}
